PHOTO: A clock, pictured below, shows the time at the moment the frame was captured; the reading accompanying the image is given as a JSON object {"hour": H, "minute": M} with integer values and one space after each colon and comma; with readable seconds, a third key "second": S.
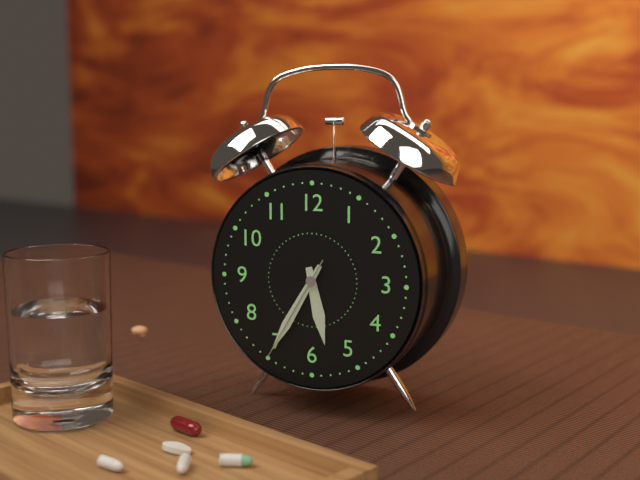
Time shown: {"hour": 5, "minute": 35, "second": 35}
